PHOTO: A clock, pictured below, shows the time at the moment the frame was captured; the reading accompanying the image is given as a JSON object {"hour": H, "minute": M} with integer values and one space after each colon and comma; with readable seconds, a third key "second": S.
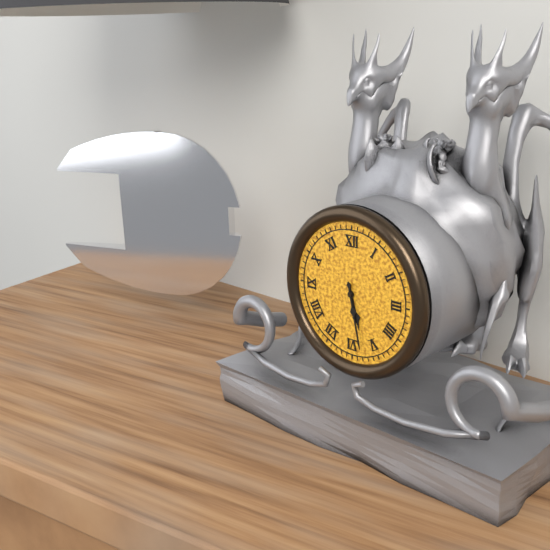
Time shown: {"hour": 5, "minute": 28}
